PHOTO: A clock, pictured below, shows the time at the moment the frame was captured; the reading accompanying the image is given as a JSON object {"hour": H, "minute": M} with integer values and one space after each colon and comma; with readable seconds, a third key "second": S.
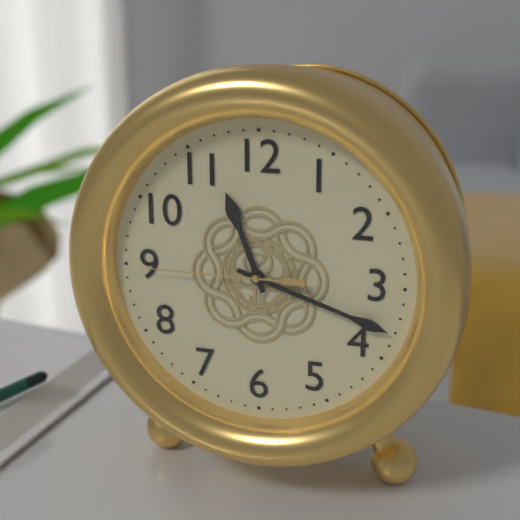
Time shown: {"hour": 11, "minute": 18, "second": 45}
